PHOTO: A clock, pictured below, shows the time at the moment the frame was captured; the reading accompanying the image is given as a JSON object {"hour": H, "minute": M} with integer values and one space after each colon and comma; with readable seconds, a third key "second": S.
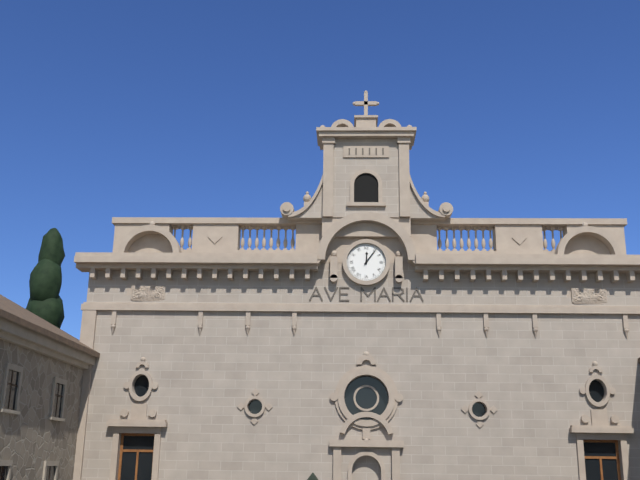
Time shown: {"hour": 12, "minute": 6}
